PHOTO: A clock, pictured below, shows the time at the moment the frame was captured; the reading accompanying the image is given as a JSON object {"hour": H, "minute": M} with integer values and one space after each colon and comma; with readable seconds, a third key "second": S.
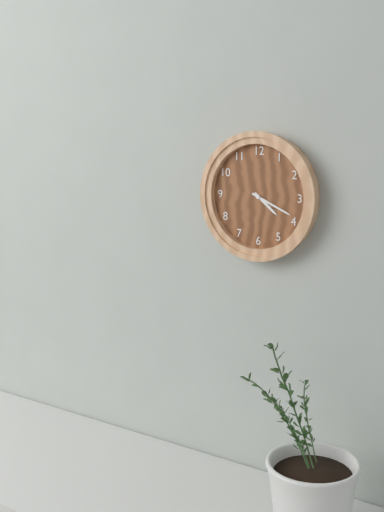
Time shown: {"hour": 4, "minute": 19}
